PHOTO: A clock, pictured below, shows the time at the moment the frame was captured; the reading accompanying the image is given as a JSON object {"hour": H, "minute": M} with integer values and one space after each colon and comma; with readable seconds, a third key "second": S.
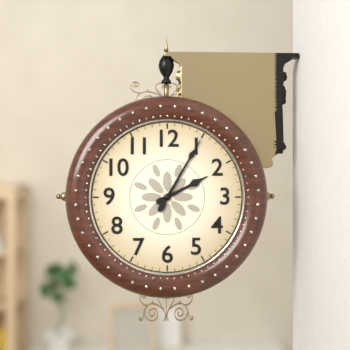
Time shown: {"hour": 2, "minute": 5}
